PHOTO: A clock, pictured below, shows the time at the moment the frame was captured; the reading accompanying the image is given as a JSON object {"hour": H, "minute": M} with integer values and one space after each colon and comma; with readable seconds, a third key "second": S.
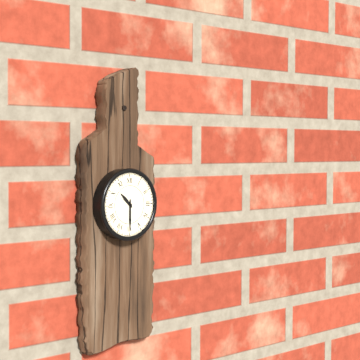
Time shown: {"hour": 10, "minute": 30}
